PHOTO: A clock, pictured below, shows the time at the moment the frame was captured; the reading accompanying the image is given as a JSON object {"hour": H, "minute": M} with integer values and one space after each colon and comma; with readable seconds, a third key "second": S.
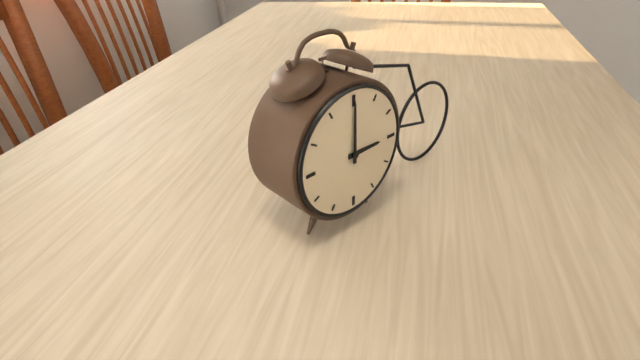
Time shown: {"hour": 3, "minute": 0}
